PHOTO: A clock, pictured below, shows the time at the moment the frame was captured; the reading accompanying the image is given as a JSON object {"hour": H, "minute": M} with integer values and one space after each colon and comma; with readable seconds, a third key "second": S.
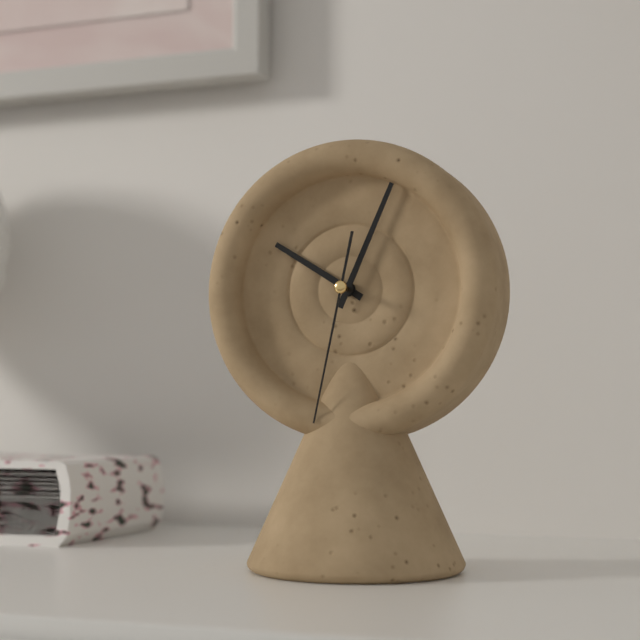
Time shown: {"hour": 10, "minute": 4, "second": 32}
